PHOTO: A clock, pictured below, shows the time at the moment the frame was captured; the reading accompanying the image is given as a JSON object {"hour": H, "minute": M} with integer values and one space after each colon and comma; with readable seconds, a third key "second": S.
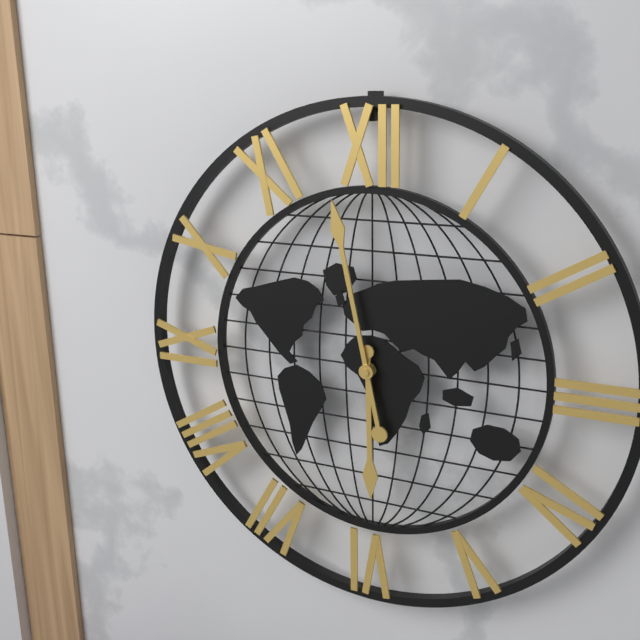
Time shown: {"hour": 5, "minute": 58}
